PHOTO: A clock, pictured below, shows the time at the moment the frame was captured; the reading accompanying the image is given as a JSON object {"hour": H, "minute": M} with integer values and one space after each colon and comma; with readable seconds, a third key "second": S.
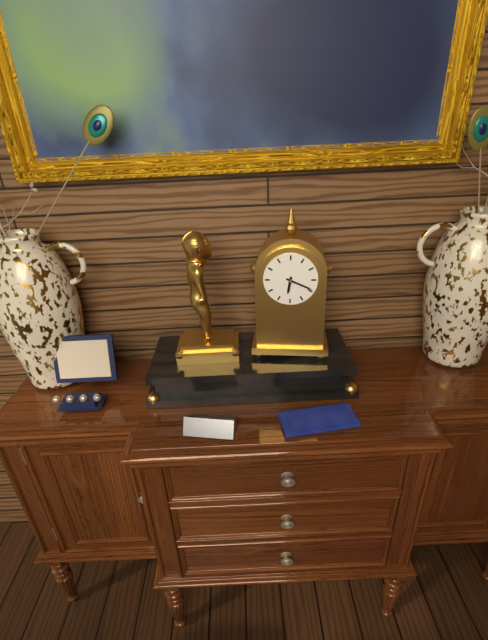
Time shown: {"hour": 6, "minute": 19}
